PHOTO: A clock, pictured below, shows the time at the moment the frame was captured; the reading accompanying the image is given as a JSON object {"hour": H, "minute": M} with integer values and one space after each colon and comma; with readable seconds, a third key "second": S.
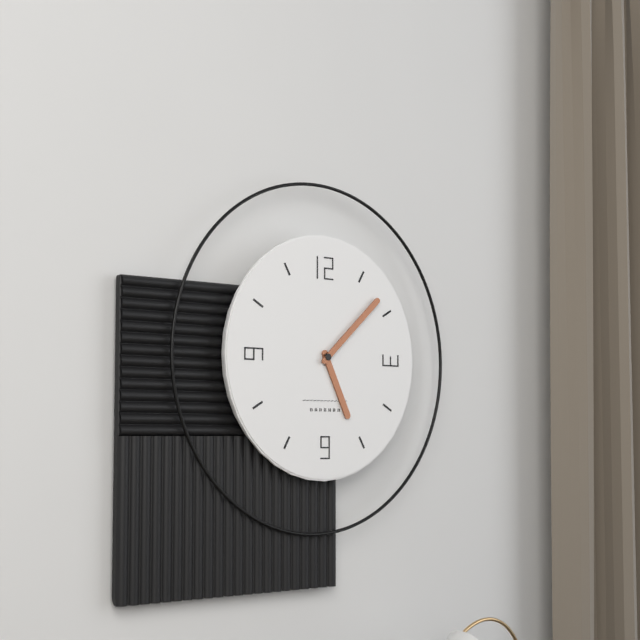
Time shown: {"hour": 5, "minute": 8}
